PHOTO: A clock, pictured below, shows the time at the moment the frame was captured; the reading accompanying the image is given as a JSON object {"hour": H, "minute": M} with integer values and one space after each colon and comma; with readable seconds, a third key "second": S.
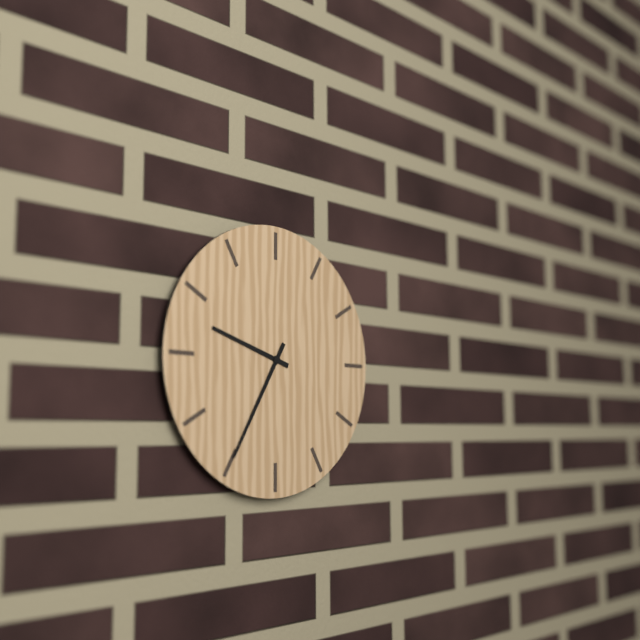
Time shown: {"hour": 9, "minute": 35}
